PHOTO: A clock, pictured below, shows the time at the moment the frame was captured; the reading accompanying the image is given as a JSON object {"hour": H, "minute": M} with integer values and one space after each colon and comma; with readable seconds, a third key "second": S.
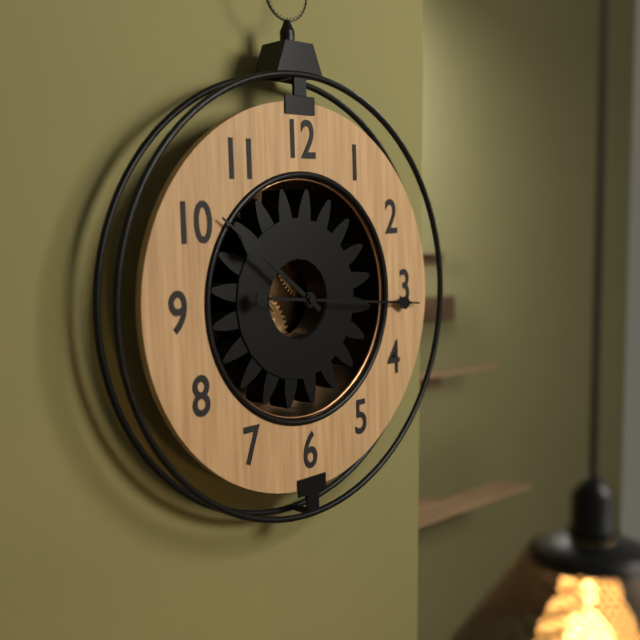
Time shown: {"hour": 10, "minute": 16}
